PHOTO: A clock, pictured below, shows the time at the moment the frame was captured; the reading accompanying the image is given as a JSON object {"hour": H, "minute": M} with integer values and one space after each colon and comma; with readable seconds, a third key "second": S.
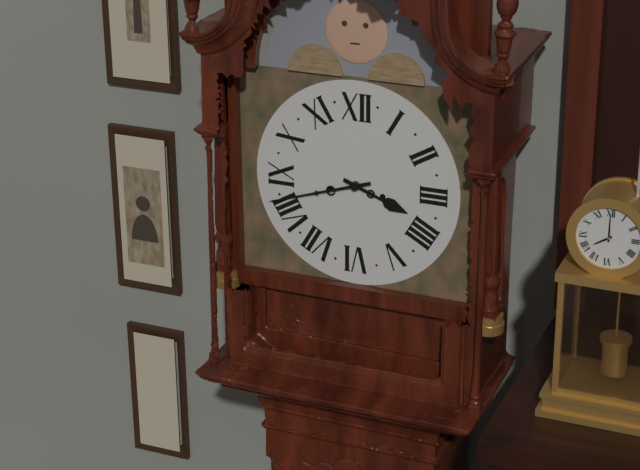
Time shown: {"hour": 3, "minute": 42}
